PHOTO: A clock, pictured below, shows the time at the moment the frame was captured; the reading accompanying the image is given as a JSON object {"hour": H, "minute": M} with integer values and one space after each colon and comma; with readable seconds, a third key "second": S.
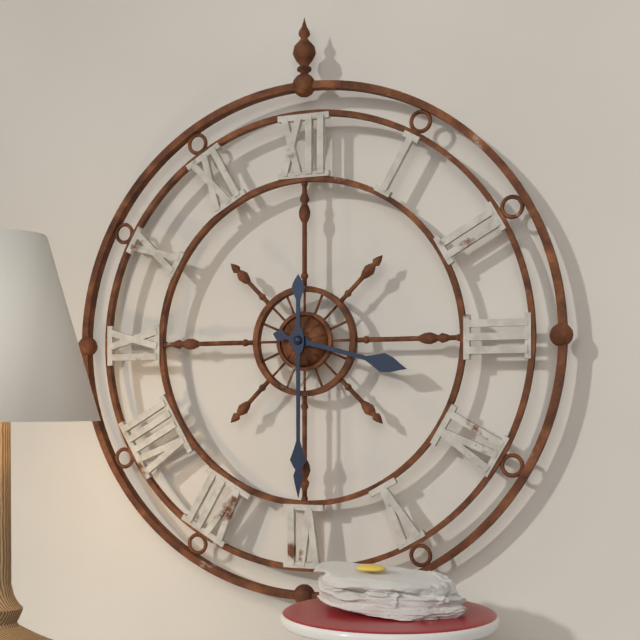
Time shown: {"hour": 3, "minute": 30}
